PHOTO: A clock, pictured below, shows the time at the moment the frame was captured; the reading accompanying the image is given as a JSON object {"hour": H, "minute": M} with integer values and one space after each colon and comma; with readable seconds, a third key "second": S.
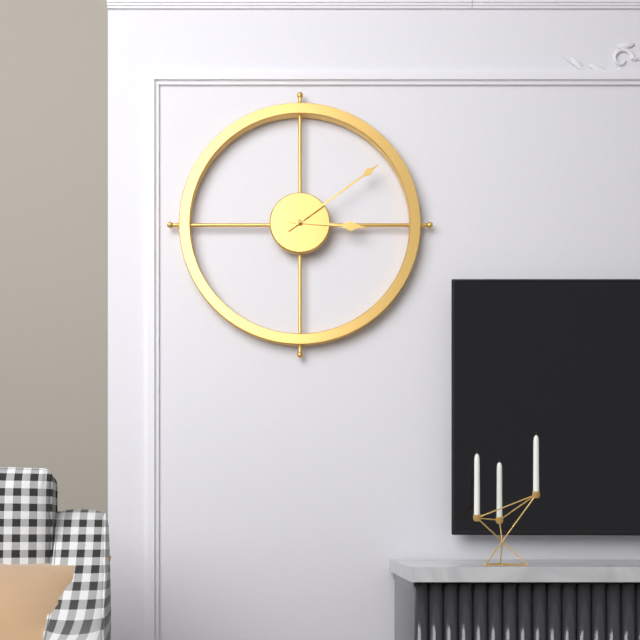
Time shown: {"hour": 3, "minute": 9}
